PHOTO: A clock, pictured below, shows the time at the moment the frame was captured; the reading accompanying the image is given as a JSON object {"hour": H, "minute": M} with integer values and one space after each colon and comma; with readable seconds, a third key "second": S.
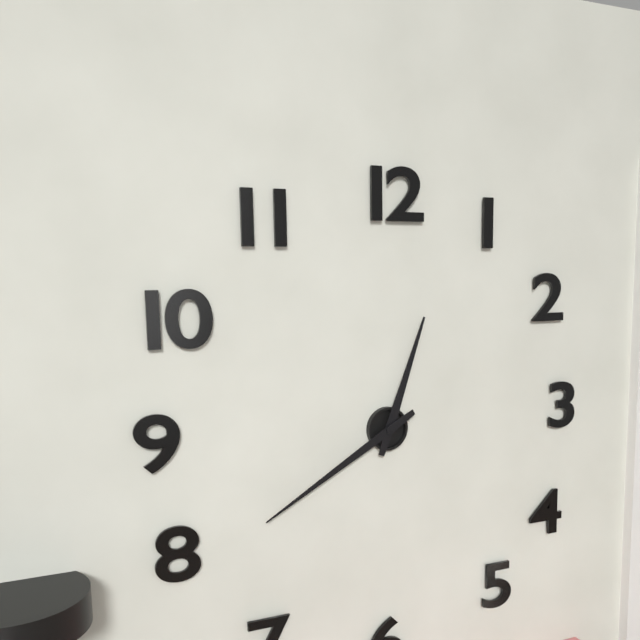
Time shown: {"hour": 12, "minute": 40}
